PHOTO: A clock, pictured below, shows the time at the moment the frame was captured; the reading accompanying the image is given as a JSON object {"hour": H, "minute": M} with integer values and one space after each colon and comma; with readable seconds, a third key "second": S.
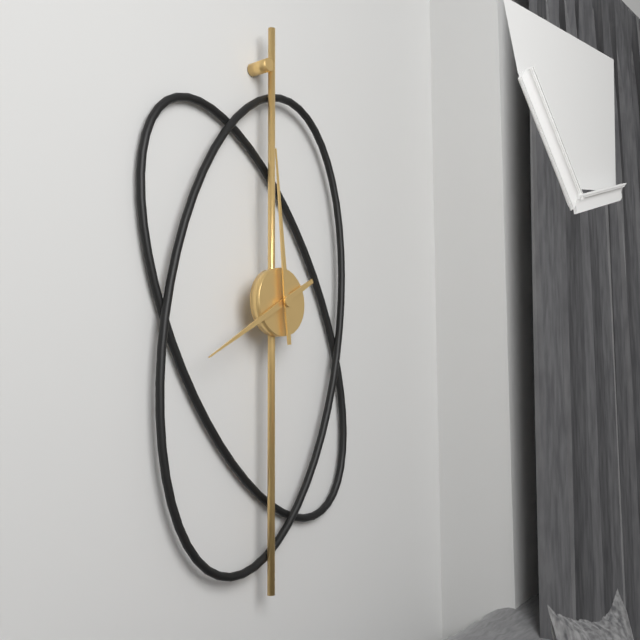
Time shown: {"hour": 7, "minute": 59}
